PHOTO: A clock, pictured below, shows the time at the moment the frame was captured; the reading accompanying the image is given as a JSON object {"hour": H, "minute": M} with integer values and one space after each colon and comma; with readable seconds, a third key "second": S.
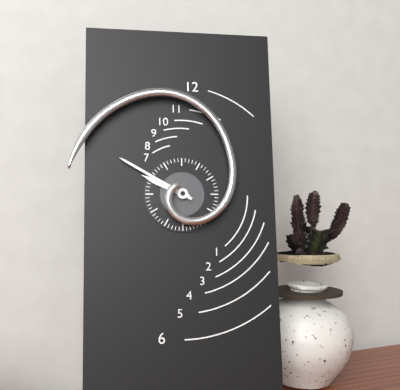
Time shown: {"hour": 9, "minute": 50}
